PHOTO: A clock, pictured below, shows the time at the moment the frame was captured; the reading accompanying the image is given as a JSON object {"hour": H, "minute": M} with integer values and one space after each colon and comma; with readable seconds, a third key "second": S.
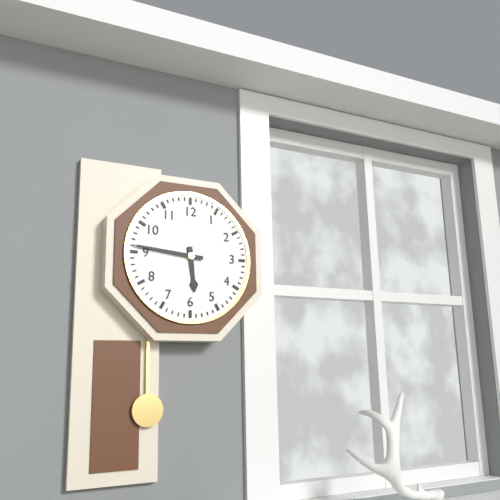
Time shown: {"hour": 5, "minute": 46}
